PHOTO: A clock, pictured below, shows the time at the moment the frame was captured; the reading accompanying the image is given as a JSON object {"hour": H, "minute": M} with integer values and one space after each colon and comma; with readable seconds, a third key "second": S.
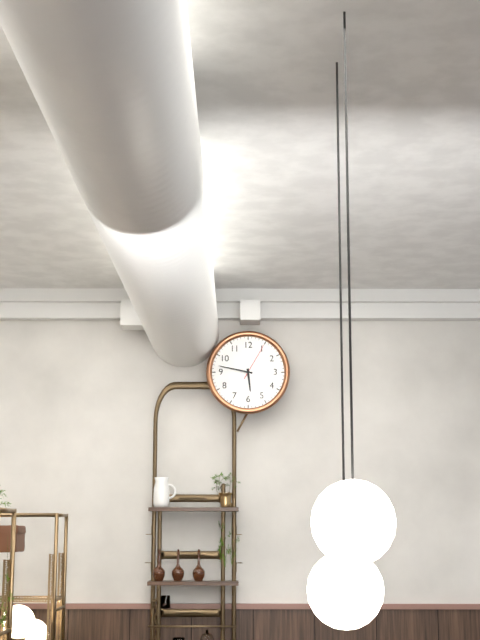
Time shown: {"hour": 5, "minute": 47}
